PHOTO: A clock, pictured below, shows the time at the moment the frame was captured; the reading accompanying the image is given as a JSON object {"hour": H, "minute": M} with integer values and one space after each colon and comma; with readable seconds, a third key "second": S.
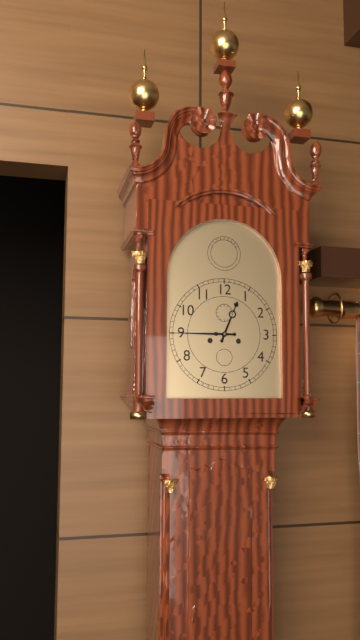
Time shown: {"hour": 12, "minute": 45}
